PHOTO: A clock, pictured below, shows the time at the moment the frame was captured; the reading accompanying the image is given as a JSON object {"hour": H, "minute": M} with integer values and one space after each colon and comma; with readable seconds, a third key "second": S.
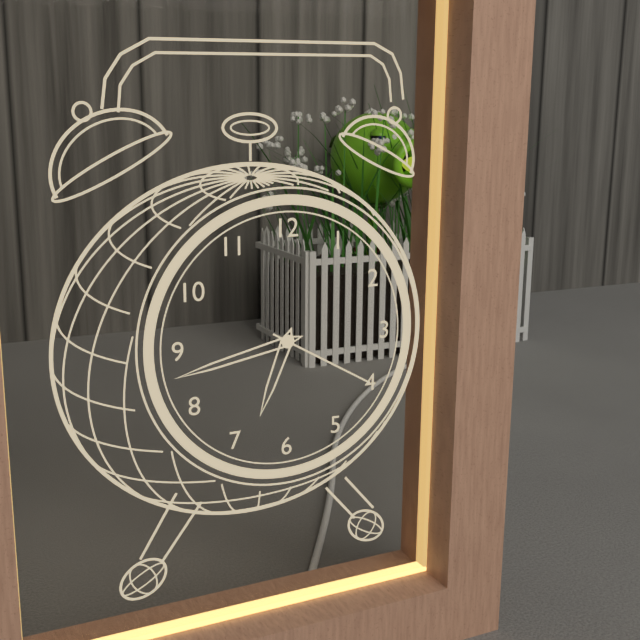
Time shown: {"hour": 6, "minute": 43, "second": 20}
